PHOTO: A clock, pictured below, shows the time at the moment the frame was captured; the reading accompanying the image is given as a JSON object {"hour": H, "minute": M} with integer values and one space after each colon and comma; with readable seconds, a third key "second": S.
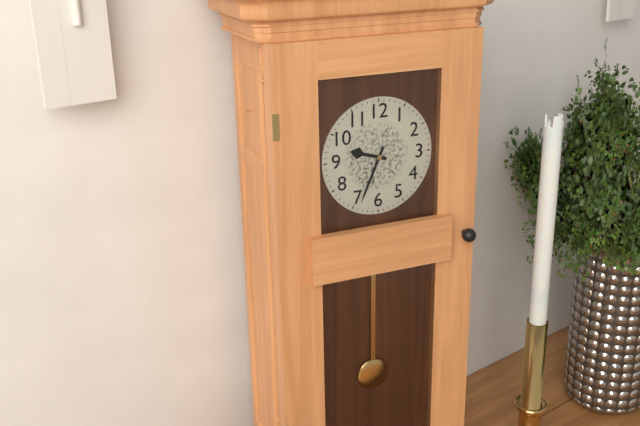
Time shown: {"hour": 9, "minute": 34}
